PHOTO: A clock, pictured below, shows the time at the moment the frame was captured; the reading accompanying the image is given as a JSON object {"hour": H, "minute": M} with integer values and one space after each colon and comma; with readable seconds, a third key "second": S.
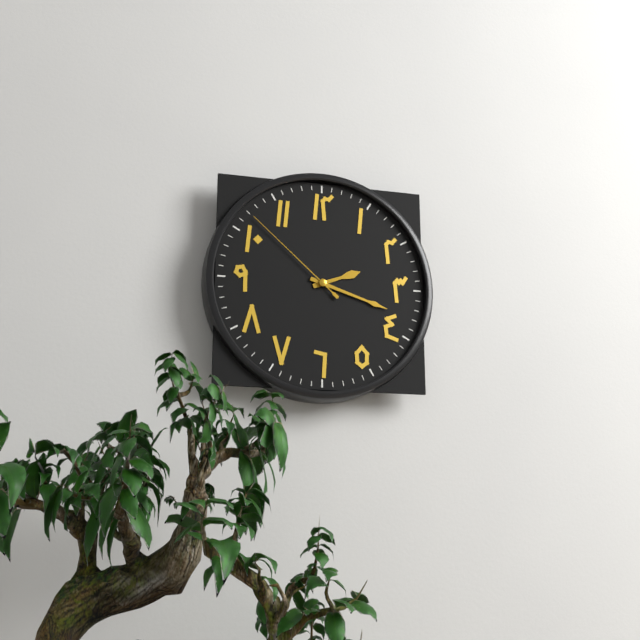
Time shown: {"hour": 2, "minute": 18, "second": 52}
